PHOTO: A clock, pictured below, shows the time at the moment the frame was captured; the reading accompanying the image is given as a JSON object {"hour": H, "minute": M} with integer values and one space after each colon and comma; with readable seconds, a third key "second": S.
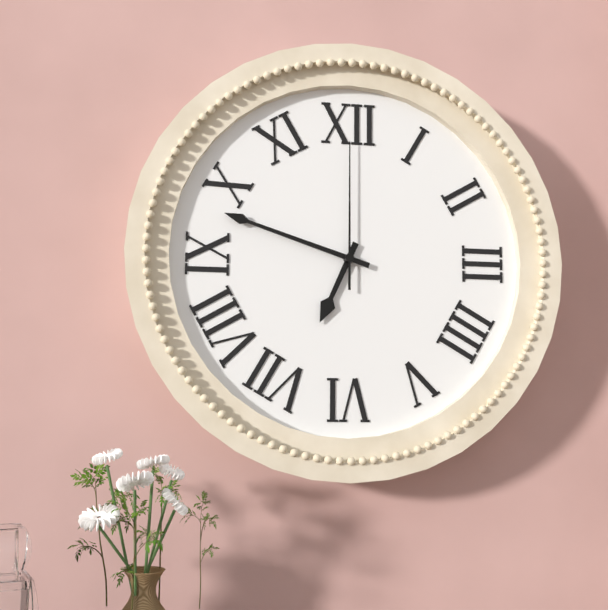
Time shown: {"hour": 6, "minute": 48, "second": 0}
